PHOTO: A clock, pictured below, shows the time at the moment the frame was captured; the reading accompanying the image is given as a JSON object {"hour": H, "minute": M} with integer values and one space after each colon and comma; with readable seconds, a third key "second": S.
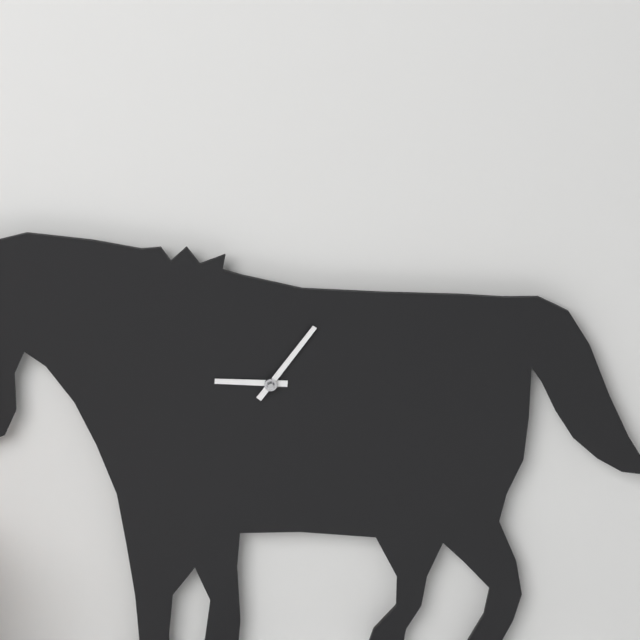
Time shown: {"hour": 9, "minute": 6}
